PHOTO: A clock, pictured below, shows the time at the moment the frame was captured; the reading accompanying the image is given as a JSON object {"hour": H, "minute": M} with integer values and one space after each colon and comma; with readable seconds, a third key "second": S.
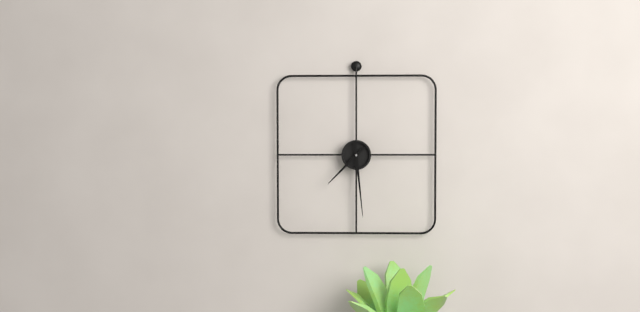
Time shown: {"hour": 7, "minute": 29}
